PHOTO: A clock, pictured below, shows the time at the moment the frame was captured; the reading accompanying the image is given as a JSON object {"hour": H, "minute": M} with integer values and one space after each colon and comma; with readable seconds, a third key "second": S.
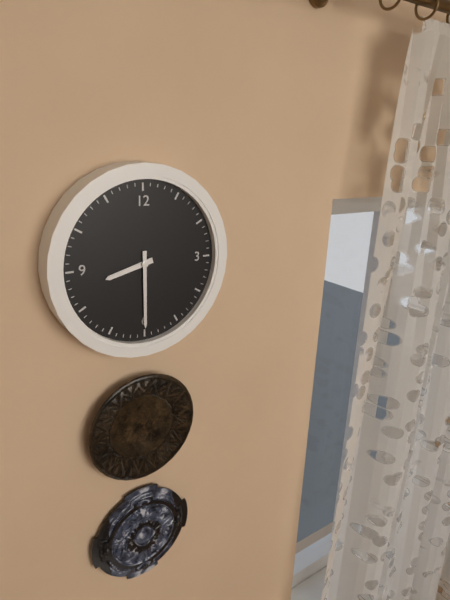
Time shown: {"hour": 8, "minute": 30}
